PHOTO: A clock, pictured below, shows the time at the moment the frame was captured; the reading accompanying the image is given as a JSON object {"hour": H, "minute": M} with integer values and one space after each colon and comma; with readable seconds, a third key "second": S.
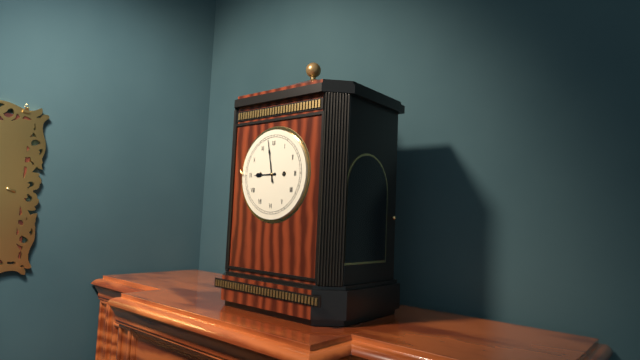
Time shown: {"hour": 8, "minute": 58}
